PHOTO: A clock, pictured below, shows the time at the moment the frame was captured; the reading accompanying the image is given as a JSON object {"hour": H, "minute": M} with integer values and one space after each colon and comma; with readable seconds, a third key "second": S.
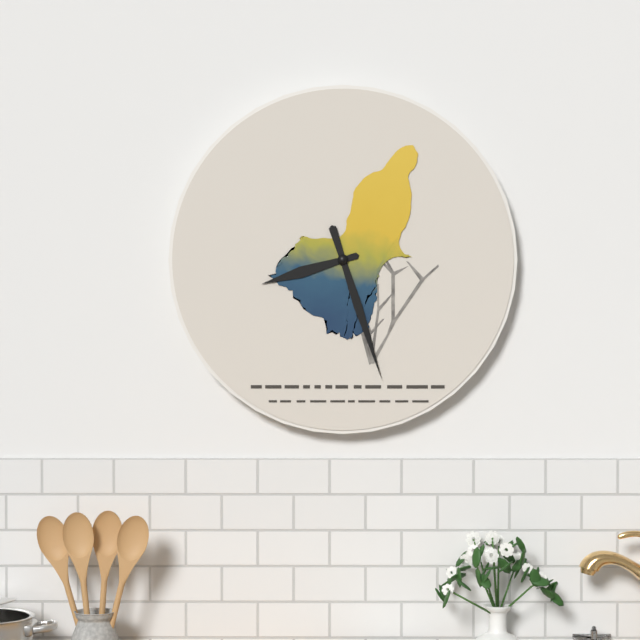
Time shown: {"hour": 8, "minute": 27}
